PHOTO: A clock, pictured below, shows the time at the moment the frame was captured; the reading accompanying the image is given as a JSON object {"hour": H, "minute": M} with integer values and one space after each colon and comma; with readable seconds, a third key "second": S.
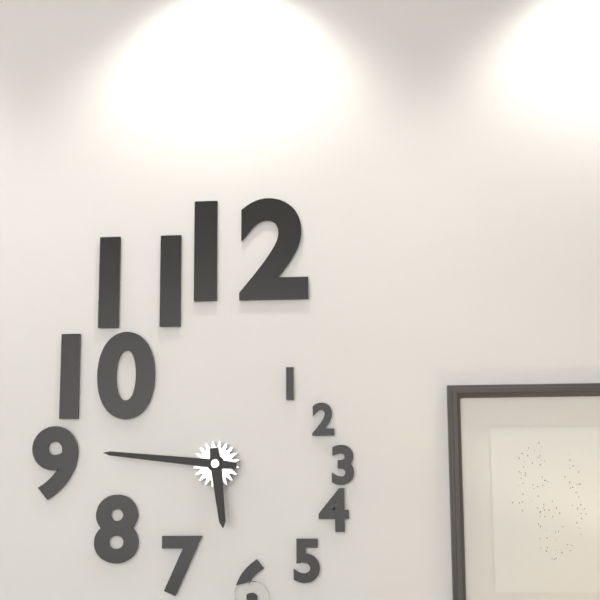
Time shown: {"hour": 5, "minute": 46}
